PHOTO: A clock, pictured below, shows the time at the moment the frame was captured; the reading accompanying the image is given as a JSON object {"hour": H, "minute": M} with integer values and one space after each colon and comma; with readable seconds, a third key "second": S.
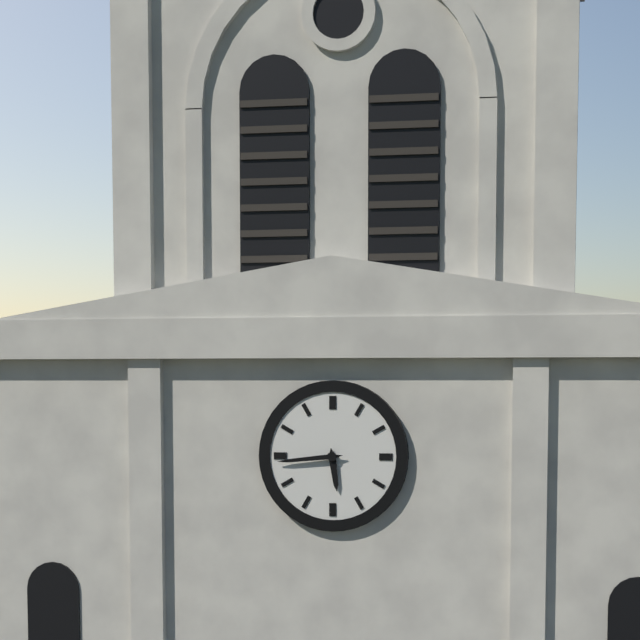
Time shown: {"hour": 5, "minute": 44}
